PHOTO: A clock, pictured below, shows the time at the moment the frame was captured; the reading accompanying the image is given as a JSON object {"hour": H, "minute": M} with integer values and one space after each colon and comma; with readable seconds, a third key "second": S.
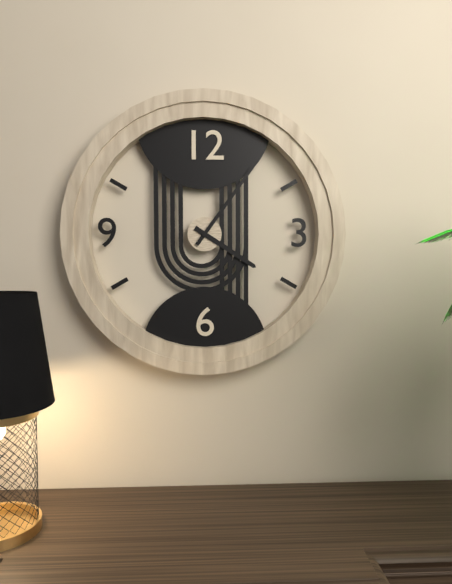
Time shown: {"hour": 4, "minute": 6}
